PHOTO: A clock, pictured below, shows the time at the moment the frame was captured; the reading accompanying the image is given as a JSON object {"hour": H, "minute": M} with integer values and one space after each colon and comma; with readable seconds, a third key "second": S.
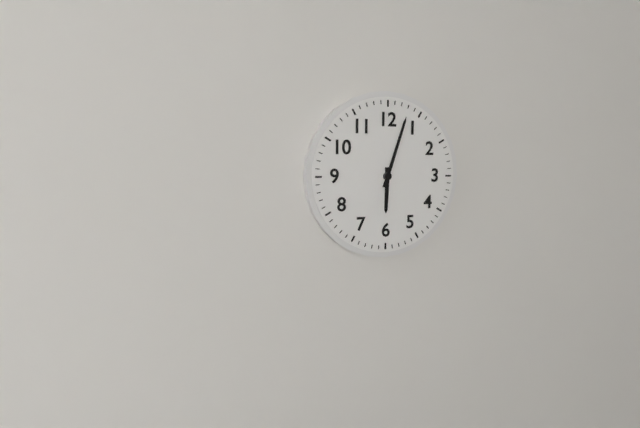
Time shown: {"hour": 6, "minute": 3}
